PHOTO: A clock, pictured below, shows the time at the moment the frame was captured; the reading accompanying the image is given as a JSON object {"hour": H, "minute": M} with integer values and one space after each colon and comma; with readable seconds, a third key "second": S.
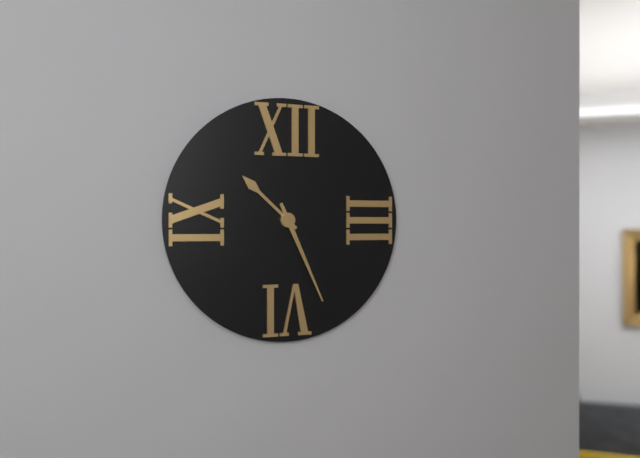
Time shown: {"hour": 10, "minute": 26}
